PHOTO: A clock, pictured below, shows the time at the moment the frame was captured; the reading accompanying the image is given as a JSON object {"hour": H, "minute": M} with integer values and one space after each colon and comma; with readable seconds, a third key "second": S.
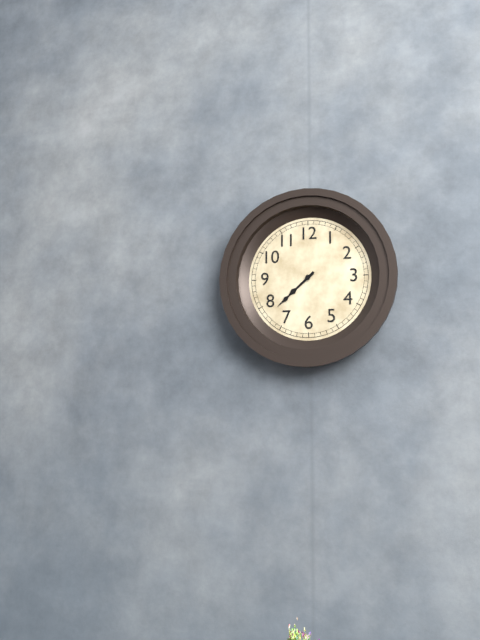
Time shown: {"hour": 7, "minute": 38}
